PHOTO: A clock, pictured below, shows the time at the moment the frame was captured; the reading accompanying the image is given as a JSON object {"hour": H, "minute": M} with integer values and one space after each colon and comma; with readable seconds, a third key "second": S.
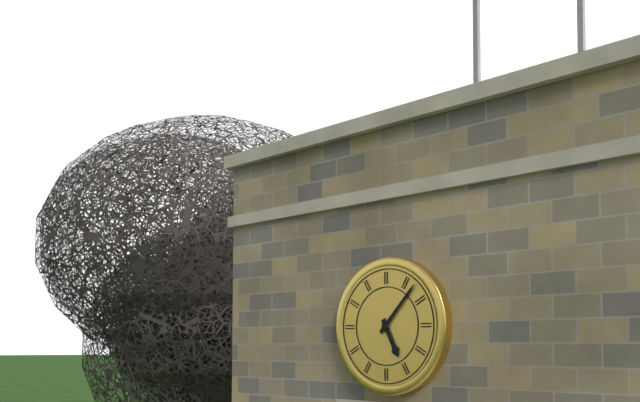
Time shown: {"hour": 5, "minute": 7}
